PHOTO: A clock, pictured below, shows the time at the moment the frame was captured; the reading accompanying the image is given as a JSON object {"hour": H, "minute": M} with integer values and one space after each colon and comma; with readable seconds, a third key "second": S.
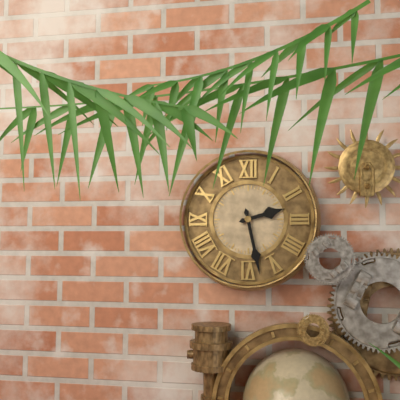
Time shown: {"hour": 2, "minute": 28}
